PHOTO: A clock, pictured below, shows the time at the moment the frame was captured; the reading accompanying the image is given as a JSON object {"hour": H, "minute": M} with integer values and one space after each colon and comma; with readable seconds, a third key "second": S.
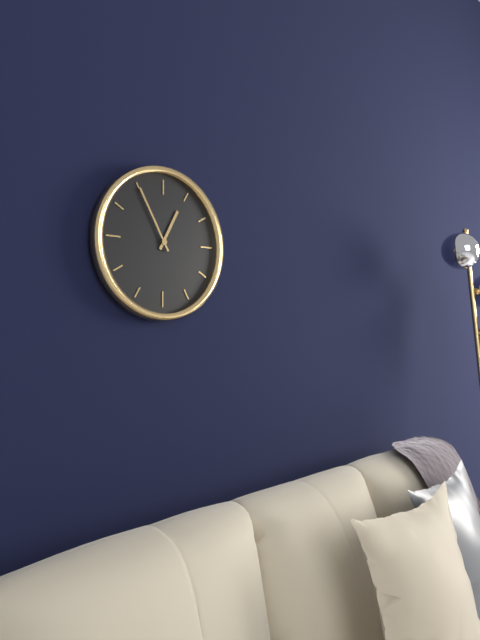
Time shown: {"hour": 12, "minute": 55}
